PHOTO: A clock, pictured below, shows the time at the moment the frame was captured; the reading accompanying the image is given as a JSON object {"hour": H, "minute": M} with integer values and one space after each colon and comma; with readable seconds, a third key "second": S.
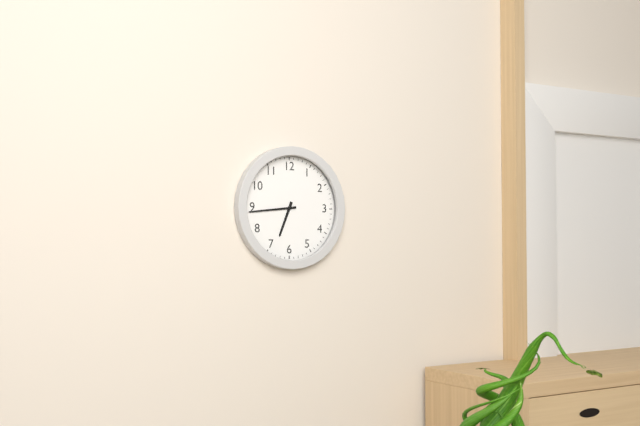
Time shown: {"hour": 6, "minute": 44}
